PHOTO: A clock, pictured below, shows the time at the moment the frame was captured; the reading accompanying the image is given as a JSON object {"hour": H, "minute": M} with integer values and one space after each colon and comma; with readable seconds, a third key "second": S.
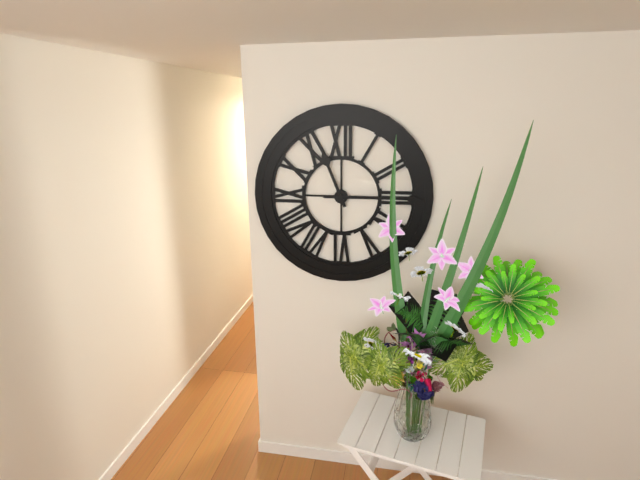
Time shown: {"hour": 11, "minute": 15}
